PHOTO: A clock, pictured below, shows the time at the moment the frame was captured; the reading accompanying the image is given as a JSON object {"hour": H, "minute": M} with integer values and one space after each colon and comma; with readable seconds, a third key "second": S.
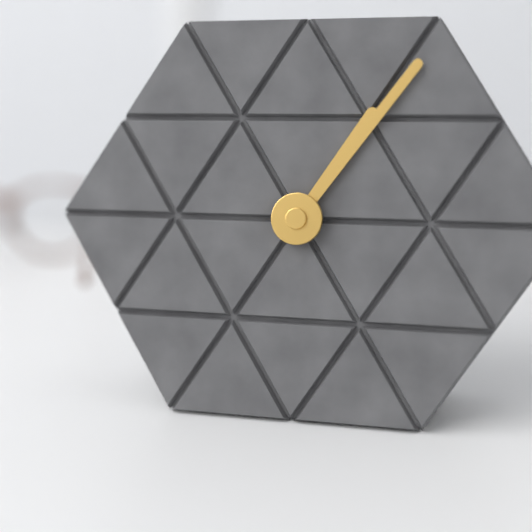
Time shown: {"hour": 1, "minute": 6}
